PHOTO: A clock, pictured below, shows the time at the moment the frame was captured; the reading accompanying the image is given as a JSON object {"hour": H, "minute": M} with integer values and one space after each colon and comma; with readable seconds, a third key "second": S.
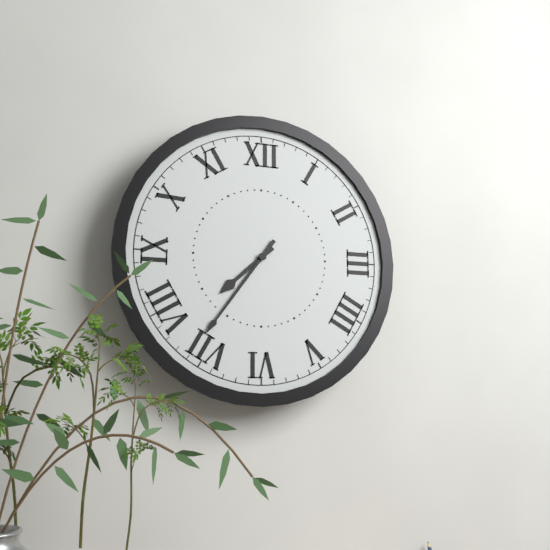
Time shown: {"hour": 7, "minute": 36}
